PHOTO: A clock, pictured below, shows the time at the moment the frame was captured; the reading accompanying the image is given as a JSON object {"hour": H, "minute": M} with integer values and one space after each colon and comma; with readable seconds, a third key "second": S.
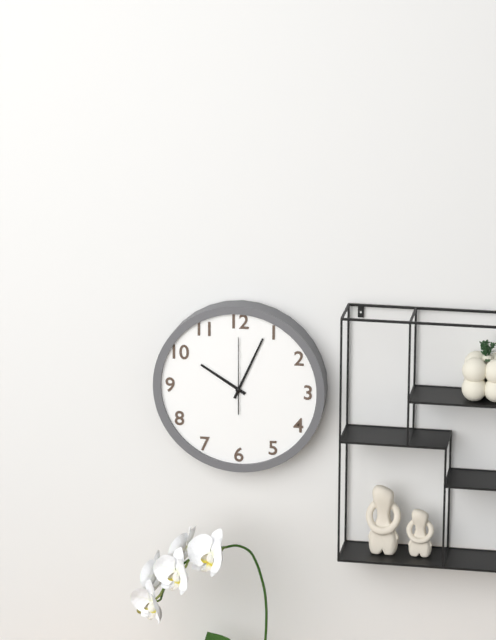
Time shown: {"hour": 10, "minute": 4, "second": 0}
